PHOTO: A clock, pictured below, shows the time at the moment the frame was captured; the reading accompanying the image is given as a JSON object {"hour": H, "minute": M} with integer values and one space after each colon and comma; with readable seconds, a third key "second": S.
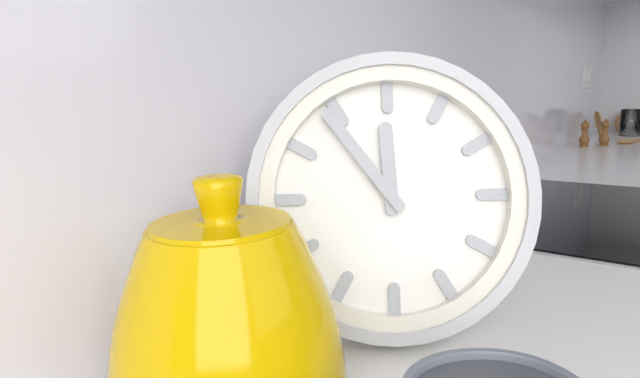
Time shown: {"hour": 11, "minute": 54}
